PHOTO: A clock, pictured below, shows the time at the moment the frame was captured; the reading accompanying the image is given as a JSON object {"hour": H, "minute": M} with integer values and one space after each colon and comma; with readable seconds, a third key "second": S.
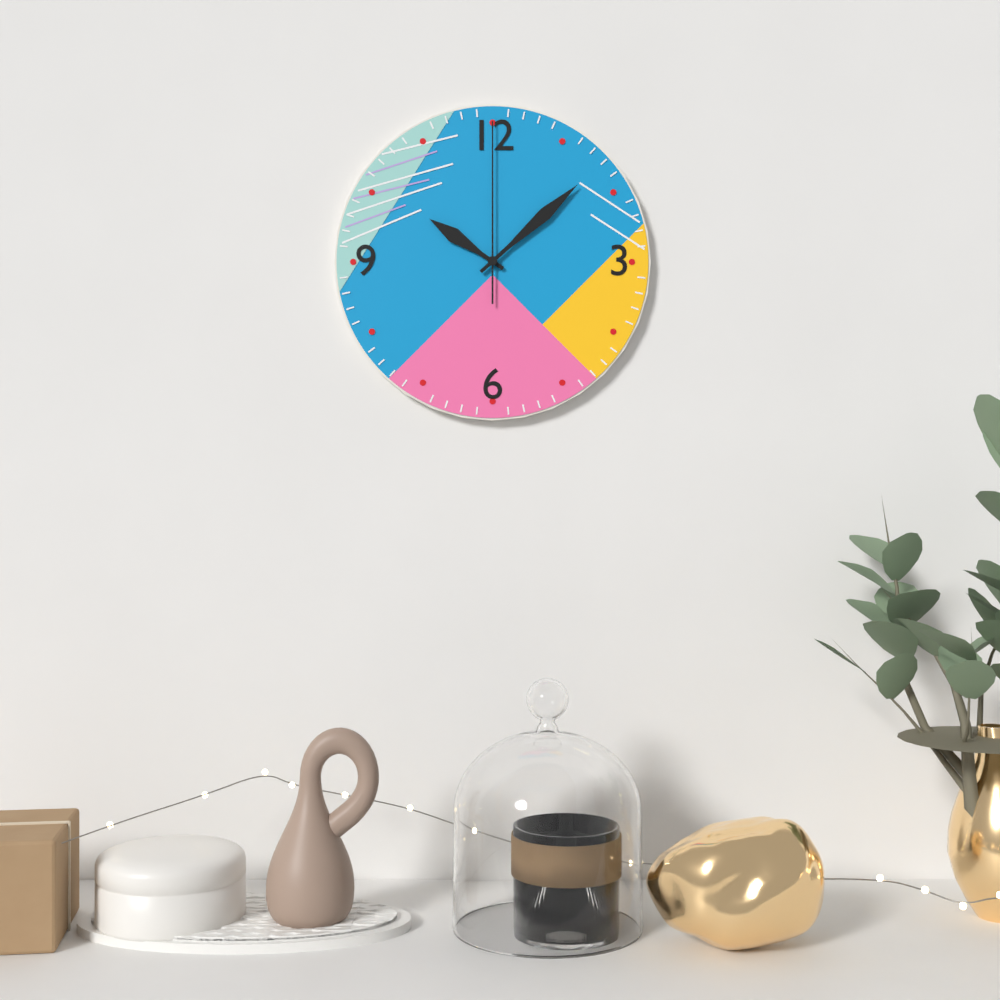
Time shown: {"hour": 10, "minute": 8, "second": 0}
